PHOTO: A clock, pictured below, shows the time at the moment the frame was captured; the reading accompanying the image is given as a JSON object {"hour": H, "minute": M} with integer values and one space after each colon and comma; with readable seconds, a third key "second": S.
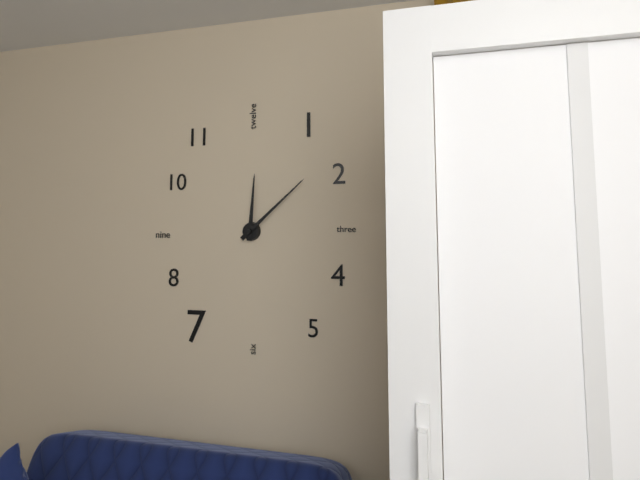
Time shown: {"hour": 12, "minute": 8}
